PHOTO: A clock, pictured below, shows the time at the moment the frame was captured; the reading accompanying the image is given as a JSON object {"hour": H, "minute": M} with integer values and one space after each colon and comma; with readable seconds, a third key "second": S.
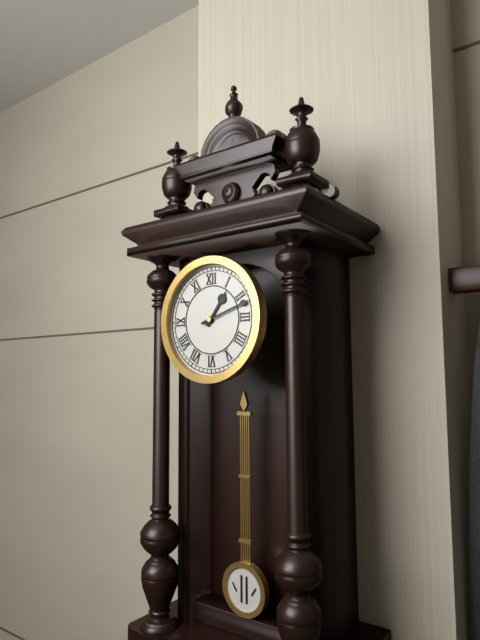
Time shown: {"hour": 1, "minute": 12}
